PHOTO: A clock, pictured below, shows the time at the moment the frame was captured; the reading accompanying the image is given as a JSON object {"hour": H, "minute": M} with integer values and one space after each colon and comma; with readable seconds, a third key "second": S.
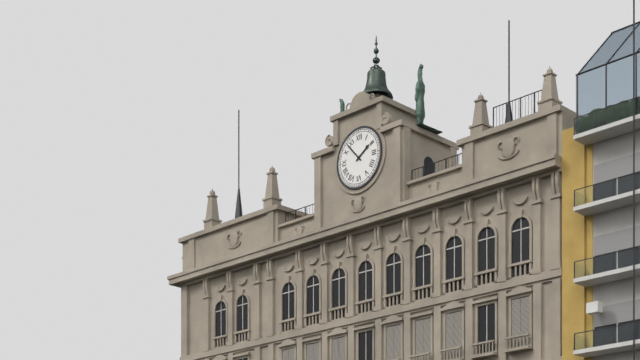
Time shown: {"hour": 1, "minute": 53}
